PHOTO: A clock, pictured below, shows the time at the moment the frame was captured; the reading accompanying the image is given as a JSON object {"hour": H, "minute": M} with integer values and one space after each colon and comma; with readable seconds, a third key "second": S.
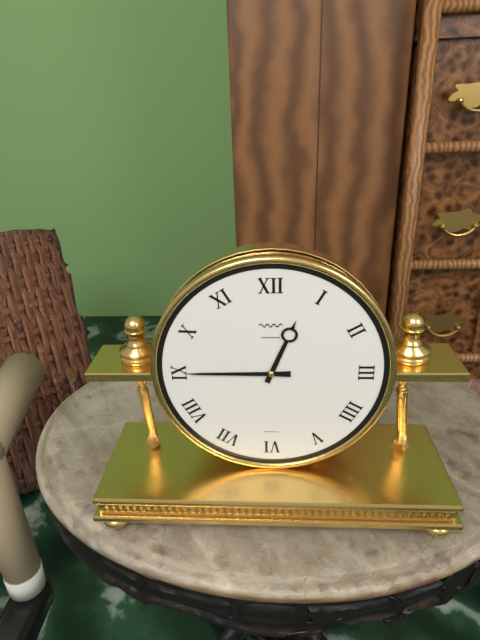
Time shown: {"hour": 12, "minute": 45}
